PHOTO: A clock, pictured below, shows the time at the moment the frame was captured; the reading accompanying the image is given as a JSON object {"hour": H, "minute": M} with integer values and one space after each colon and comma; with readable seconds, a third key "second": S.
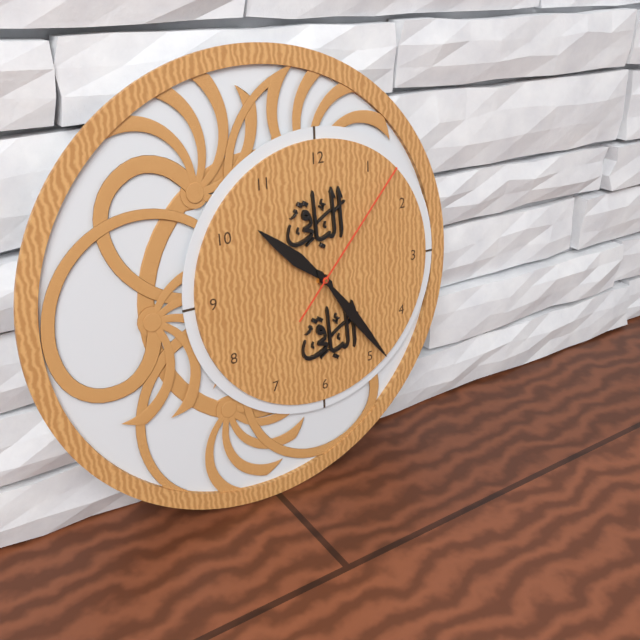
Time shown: {"hour": 10, "minute": 24, "second": 7}
